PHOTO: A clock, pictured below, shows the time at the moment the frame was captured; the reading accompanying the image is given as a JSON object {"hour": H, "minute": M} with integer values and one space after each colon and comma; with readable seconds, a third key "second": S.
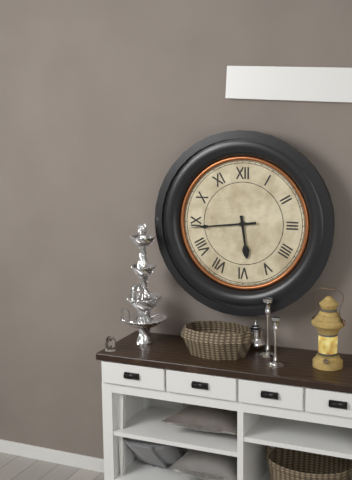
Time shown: {"hour": 5, "minute": 44}
